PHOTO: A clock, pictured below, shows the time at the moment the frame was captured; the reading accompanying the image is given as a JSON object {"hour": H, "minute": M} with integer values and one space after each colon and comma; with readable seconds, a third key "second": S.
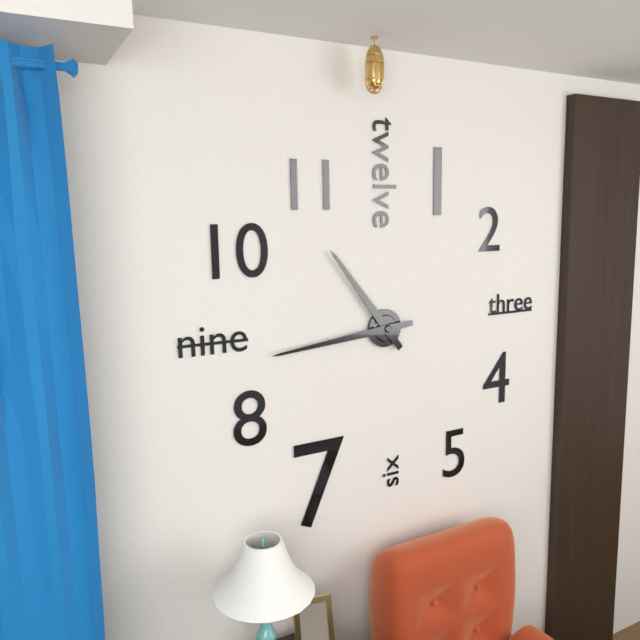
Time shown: {"hour": 10, "minute": 44}
